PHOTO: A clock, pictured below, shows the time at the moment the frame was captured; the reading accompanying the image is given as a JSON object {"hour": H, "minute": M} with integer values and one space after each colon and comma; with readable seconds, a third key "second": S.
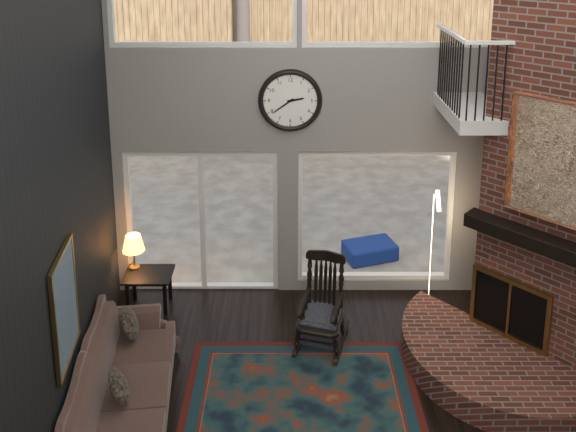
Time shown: {"hour": 2, "minute": 39}
